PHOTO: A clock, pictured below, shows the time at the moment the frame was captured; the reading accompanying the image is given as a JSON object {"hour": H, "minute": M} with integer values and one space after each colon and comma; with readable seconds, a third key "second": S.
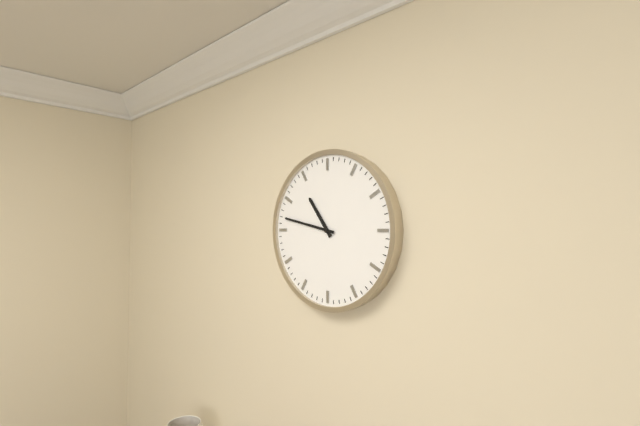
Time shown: {"hour": 10, "minute": 47}
